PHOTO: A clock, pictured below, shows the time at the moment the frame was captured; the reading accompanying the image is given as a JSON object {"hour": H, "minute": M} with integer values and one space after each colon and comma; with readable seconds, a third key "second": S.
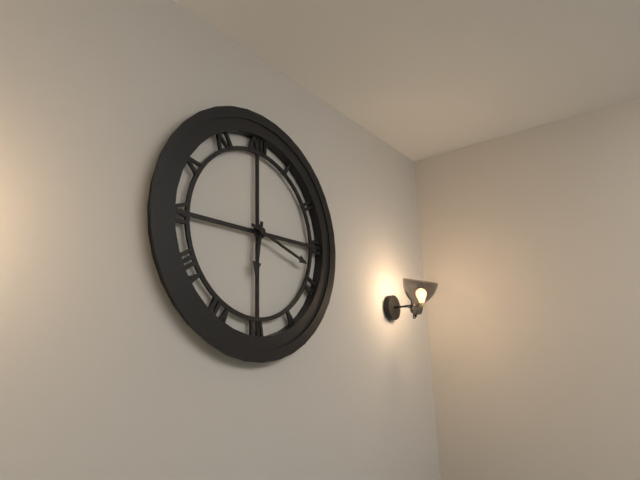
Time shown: {"hour": 6, "minute": 18}
